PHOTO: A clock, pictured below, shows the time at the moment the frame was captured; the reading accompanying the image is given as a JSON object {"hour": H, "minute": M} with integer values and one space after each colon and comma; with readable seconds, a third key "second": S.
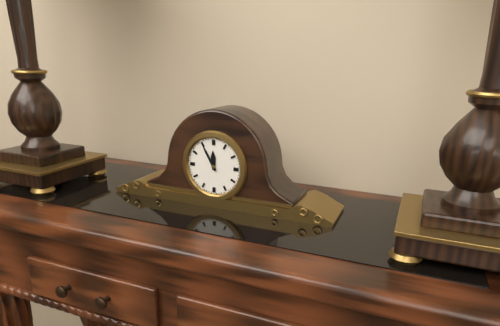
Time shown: {"hour": 11, "minute": 55}
